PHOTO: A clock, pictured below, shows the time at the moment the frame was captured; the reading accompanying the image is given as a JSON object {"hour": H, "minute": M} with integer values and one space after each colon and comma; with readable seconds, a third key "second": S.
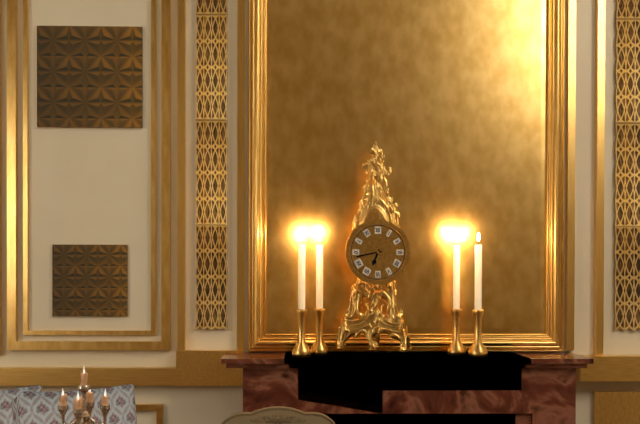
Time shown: {"hour": 6, "minute": 43}
